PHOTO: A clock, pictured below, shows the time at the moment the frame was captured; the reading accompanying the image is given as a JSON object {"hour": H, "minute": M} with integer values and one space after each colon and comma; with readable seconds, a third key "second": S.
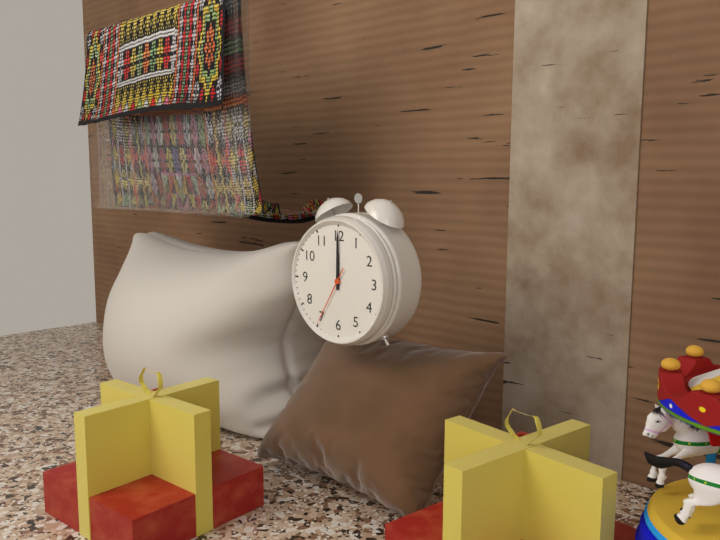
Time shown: {"hour": 12, "minute": 0, "second": 35}
